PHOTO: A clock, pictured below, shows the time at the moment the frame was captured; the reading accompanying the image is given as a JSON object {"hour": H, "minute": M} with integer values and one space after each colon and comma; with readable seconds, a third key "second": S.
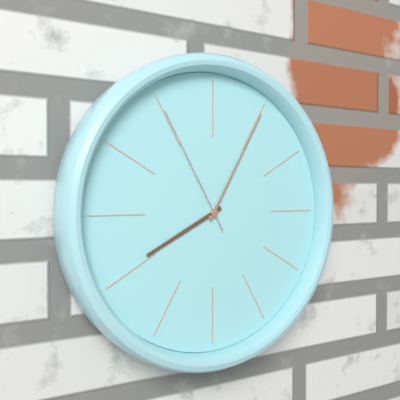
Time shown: {"hour": 8, "minute": 5, "second": 55}
